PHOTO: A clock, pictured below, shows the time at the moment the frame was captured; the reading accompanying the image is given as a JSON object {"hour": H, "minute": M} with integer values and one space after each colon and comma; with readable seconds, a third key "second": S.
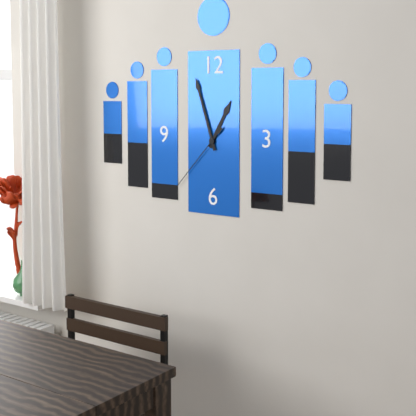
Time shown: {"hour": 12, "minute": 57, "second": 37}
